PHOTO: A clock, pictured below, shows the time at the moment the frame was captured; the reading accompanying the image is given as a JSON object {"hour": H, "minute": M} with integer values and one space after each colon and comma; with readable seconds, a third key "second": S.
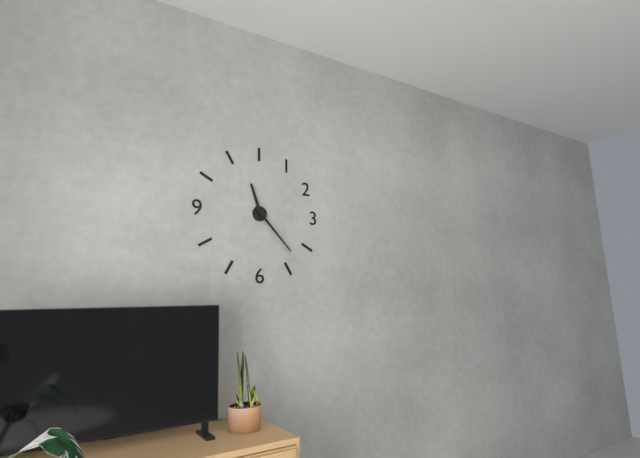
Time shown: {"hour": 11, "minute": 23}
